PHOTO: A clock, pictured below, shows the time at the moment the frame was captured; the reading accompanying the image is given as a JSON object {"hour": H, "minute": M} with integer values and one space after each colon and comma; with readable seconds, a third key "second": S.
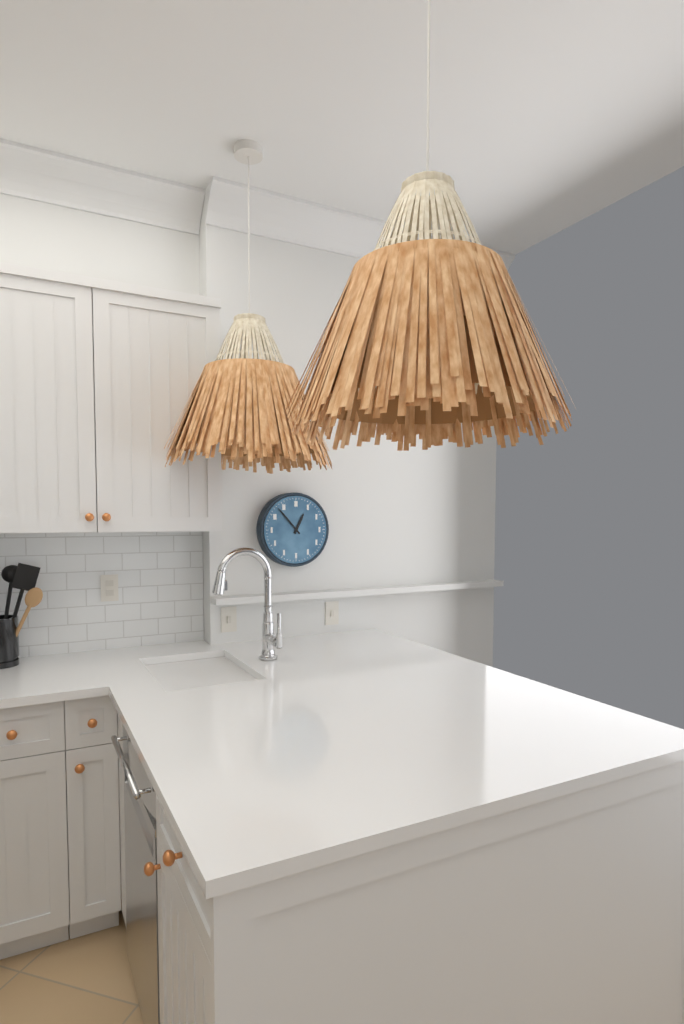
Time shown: {"hour": 12, "minute": 53}
